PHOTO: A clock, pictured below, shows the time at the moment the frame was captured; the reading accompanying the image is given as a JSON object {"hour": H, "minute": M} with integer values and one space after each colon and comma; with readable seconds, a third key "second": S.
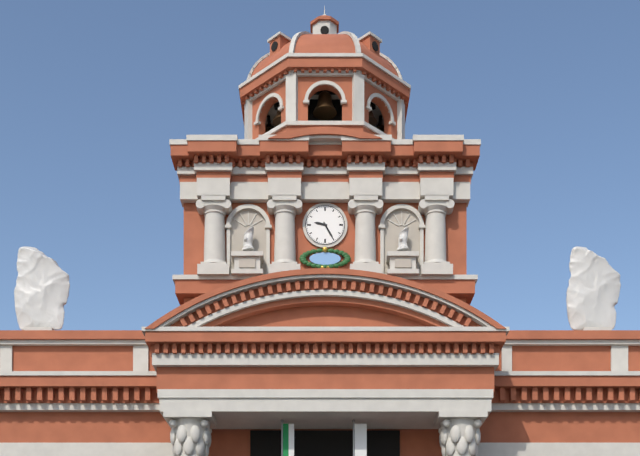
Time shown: {"hour": 9, "minute": 25}
